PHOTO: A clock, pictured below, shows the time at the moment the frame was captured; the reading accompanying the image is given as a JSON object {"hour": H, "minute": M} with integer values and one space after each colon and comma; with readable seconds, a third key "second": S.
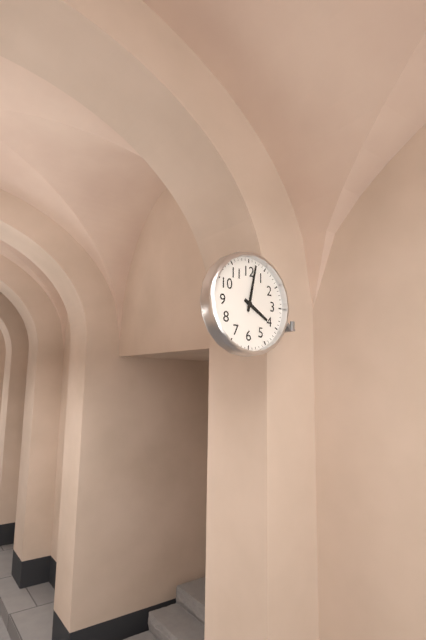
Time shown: {"hour": 4, "minute": 2}
